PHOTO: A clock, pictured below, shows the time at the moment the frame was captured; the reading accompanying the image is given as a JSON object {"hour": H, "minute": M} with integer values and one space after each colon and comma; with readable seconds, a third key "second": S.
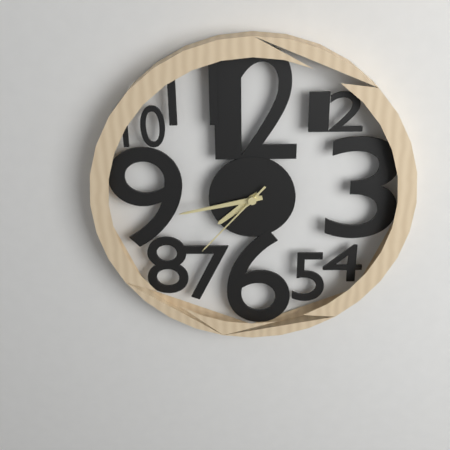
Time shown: {"hour": 7, "minute": 43, "second": 37}
